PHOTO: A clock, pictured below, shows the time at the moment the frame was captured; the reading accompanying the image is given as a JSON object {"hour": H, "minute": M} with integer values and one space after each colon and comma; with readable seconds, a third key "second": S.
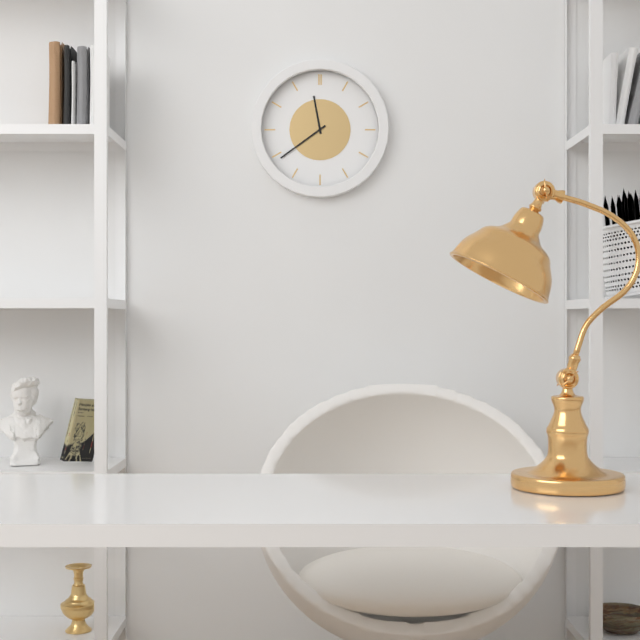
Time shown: {"hour": 11, "minute": 39}
